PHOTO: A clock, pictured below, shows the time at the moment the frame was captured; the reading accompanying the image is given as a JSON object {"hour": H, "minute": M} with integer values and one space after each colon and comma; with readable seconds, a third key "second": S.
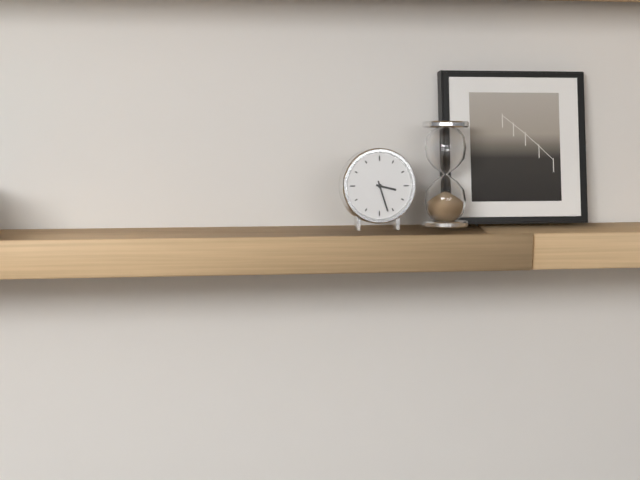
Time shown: {"hour": 3, "minute": 27}
